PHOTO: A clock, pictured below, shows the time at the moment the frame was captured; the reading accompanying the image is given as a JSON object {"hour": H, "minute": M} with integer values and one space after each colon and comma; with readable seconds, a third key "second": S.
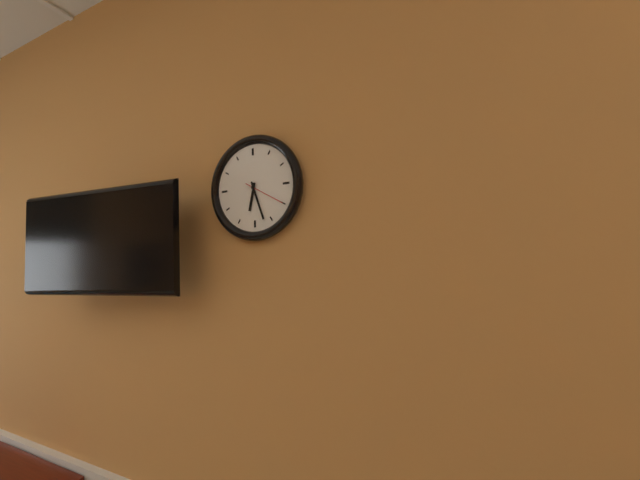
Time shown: {"hour": 6, "minute": 27}
